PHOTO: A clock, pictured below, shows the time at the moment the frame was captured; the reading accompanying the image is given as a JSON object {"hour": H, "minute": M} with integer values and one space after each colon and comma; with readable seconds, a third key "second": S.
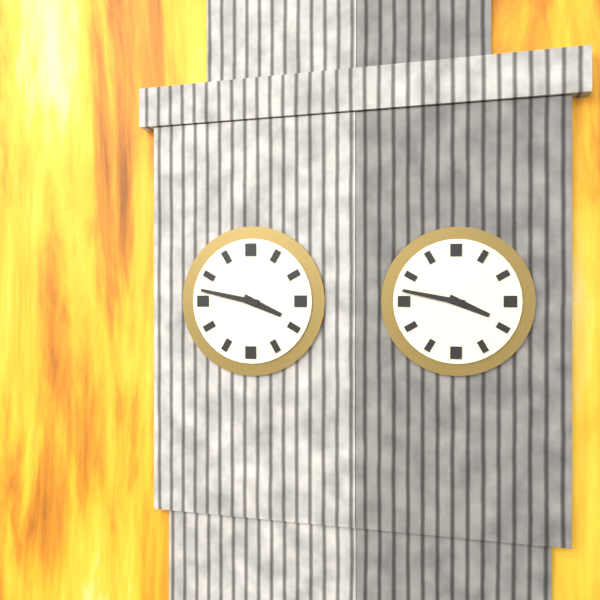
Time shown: {"hour": 3, "minute": 47}
